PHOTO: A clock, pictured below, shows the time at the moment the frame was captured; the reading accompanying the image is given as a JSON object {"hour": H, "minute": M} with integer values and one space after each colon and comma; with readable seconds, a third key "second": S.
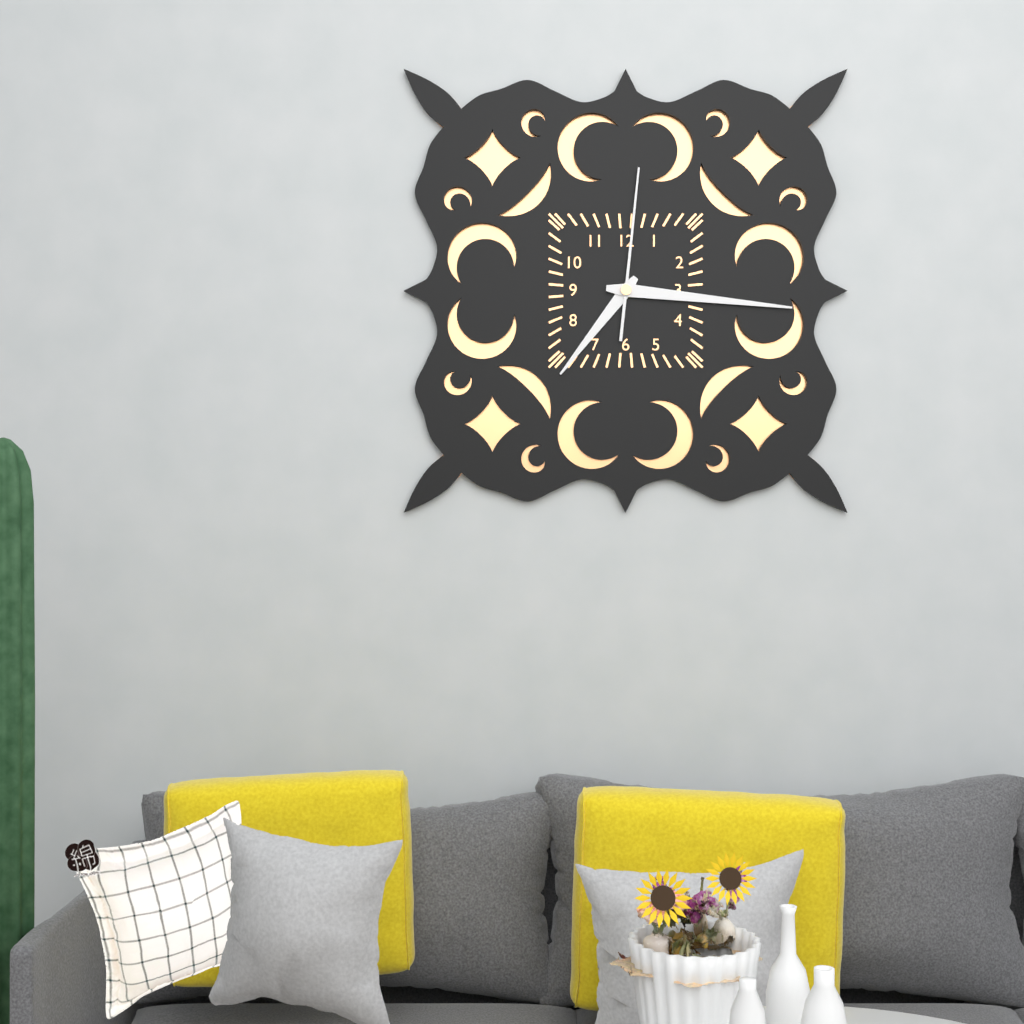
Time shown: {"hour": 7, "minute": 16, "second": 1}
